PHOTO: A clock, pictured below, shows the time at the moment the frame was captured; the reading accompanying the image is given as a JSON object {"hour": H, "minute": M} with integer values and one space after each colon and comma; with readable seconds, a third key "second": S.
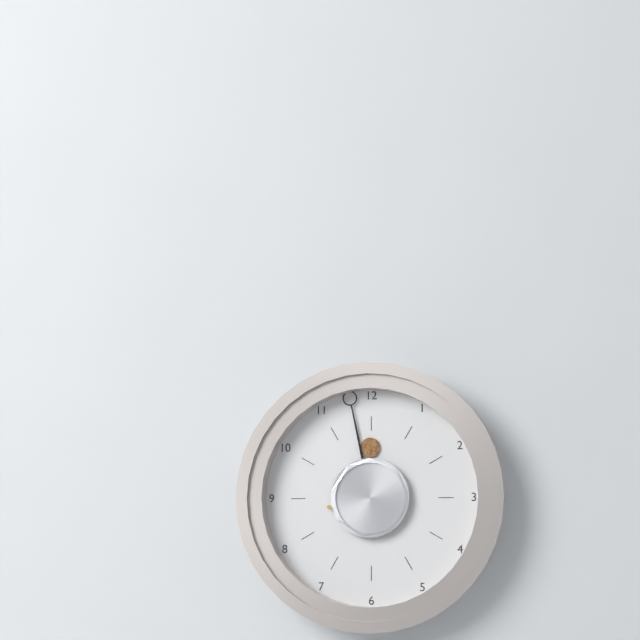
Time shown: {"hour": 11, "minute": 58}
